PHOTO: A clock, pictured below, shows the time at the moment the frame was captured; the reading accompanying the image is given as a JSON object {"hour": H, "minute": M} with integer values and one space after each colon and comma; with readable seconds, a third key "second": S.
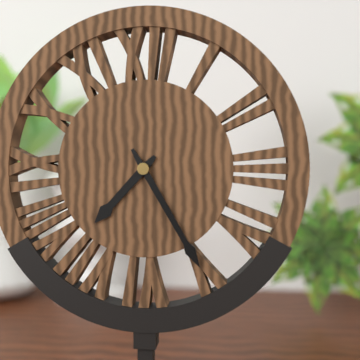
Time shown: {"hour": 7, "minute": 25}
